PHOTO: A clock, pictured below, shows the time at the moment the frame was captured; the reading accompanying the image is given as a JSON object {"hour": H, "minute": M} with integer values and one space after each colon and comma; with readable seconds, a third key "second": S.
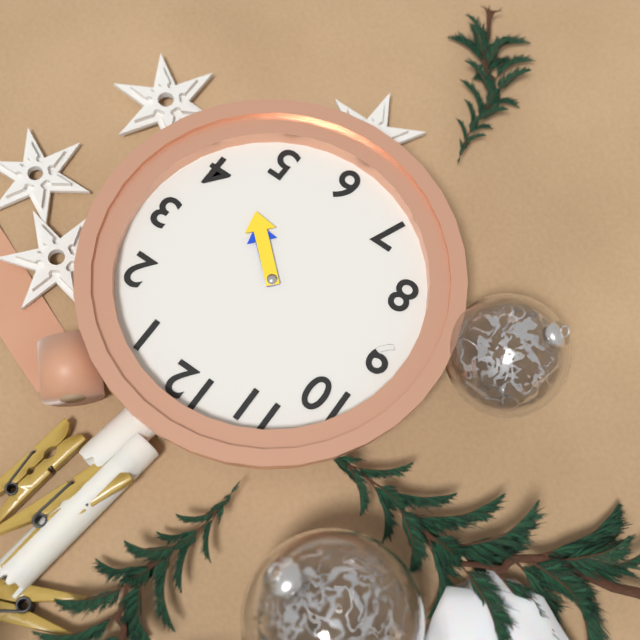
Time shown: {"hour": 4, "minute": 22}
